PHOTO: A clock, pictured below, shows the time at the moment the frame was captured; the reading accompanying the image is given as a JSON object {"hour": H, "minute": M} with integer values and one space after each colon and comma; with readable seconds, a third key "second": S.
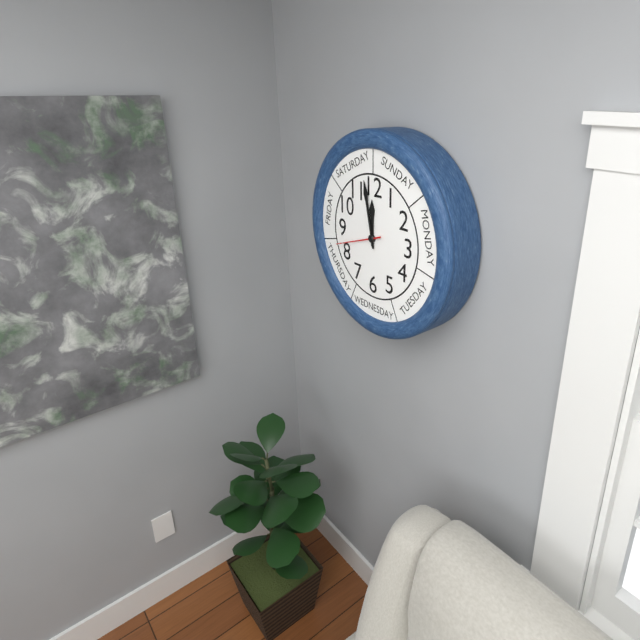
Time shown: {"hour": 11, "minute": 58}
